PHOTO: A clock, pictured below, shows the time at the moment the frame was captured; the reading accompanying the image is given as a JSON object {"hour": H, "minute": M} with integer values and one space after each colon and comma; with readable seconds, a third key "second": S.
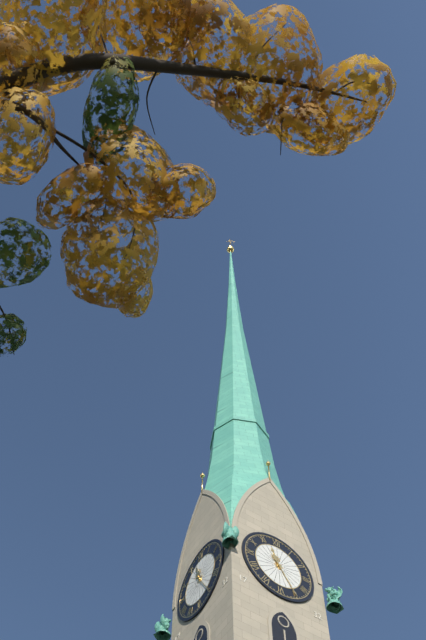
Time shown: {"hour": 11, "minute": 25}
